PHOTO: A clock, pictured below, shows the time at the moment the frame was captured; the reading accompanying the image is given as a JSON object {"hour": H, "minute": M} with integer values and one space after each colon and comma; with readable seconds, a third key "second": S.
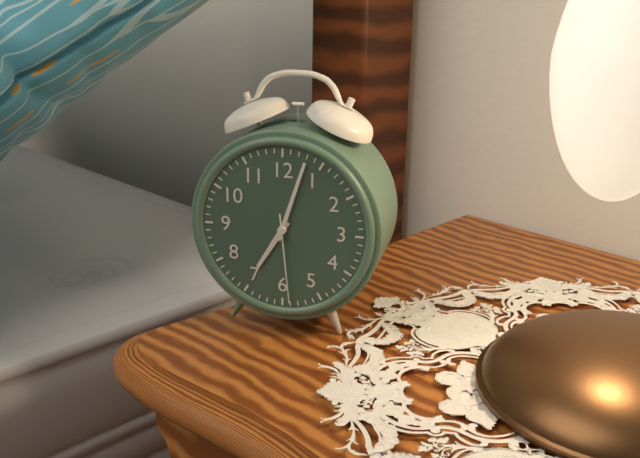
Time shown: {"hour": 7, "minute": 3, "second": 29}
